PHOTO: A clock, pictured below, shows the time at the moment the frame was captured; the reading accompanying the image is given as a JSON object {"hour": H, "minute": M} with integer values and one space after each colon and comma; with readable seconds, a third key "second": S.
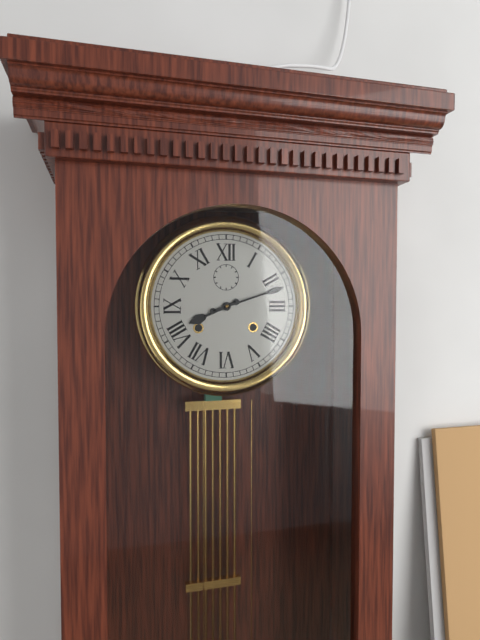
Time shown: {"hour": 8, "minute": 12}
